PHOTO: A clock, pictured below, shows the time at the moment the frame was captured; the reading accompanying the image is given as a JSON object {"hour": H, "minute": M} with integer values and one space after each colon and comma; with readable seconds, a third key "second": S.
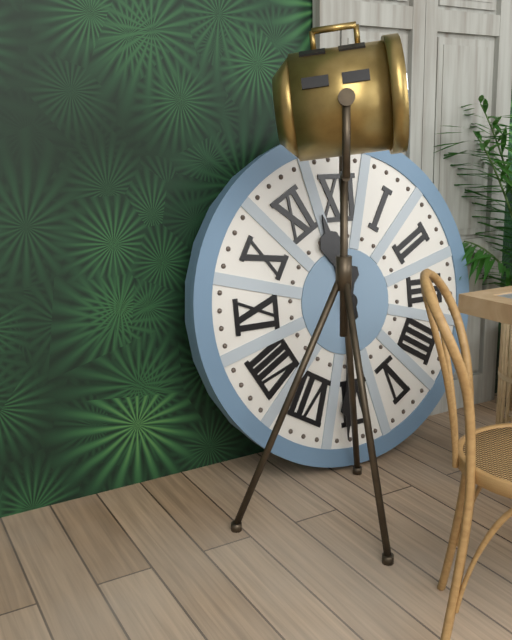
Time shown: {"hour": 11, "minute": 31}
